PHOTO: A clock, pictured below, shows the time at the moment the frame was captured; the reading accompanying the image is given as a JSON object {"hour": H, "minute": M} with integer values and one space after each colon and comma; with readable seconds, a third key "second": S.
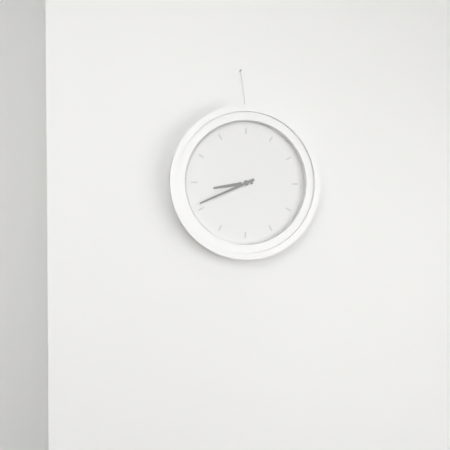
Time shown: {"hour": 8, "minute": 41}
